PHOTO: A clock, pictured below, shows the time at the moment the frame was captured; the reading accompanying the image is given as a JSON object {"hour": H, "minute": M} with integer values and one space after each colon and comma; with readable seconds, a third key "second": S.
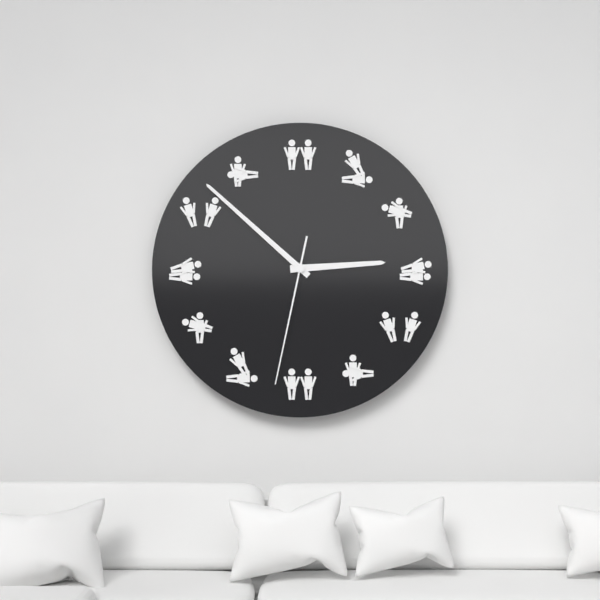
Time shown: {"hour": 2, "minute": 52, "second": 32}
